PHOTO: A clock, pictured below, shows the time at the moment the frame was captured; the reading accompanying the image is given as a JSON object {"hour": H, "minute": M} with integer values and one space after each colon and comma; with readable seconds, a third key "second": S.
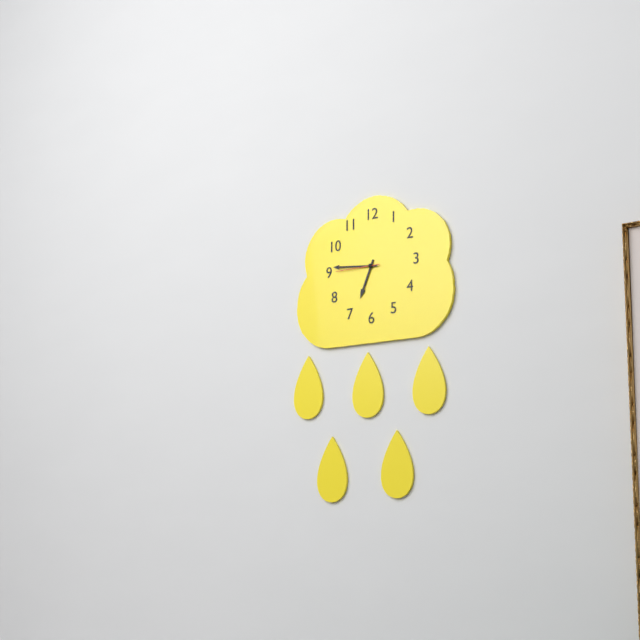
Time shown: {"hour": 6, "minute": 46}
